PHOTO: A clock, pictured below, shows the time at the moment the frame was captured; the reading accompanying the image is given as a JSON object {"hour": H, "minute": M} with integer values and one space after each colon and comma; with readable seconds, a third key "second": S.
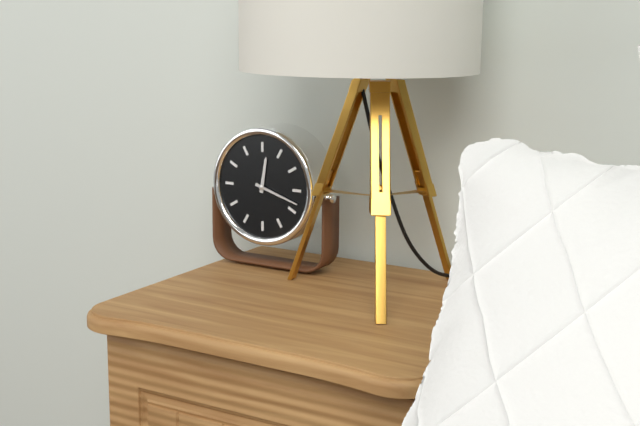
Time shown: {"hour": 12, "minute": 18}
